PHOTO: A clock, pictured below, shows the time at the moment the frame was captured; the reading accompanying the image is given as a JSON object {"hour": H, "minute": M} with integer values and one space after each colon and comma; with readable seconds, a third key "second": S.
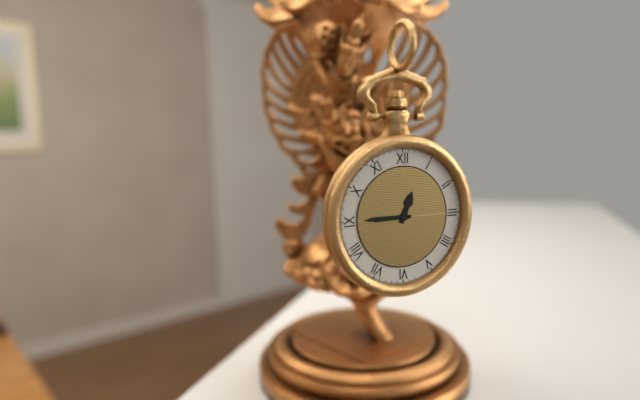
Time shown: {"hour": 12, "minute": 45}
